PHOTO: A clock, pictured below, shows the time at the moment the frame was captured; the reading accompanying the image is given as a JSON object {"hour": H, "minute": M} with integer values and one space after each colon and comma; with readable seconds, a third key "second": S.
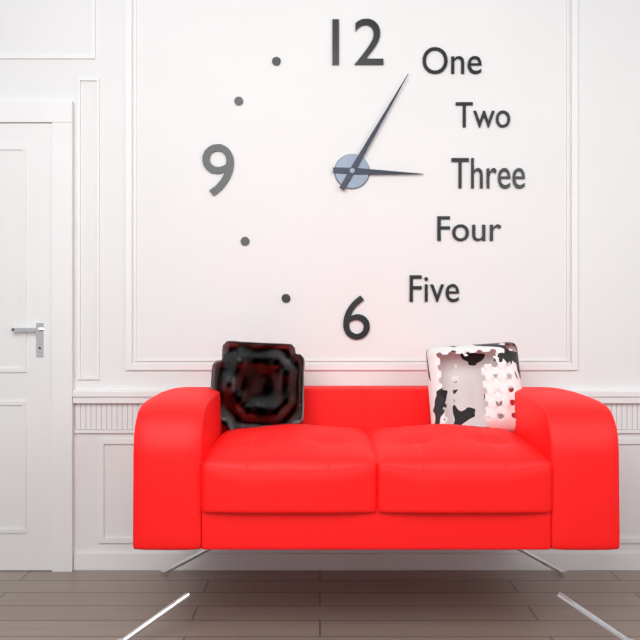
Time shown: {"hour": 3, "minute": 5}
